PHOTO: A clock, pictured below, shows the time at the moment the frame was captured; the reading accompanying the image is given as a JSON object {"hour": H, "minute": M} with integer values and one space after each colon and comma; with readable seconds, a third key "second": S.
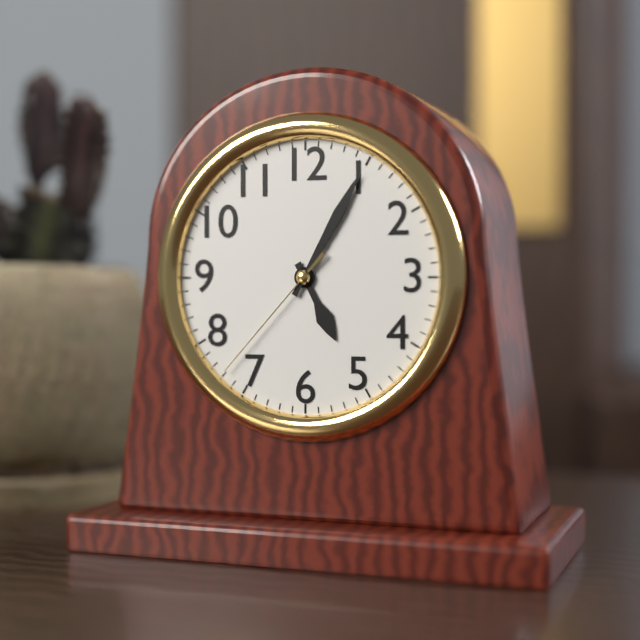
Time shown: {"hour": 5, "minute": 5, "second": 37}
